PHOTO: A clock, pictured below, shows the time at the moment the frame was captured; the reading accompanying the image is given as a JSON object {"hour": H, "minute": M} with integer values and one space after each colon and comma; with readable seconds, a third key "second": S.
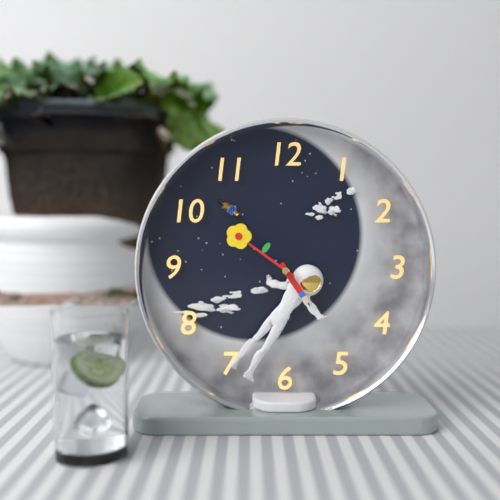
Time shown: {"hour": 4, "minute": 51}
